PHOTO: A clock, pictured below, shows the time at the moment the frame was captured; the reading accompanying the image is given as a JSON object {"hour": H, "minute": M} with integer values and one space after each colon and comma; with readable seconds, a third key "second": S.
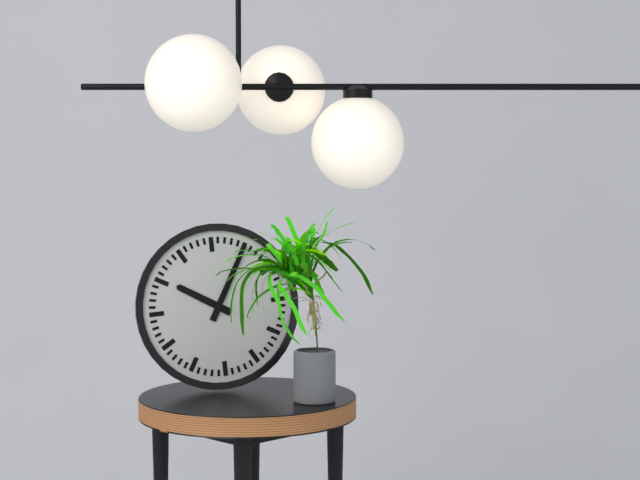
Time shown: {"hour": 10, "minute": 5}
